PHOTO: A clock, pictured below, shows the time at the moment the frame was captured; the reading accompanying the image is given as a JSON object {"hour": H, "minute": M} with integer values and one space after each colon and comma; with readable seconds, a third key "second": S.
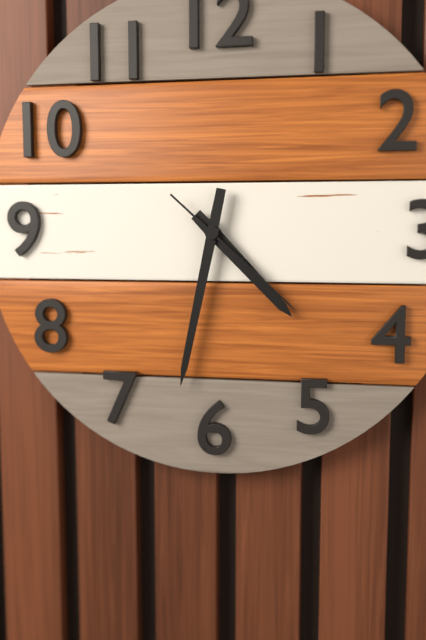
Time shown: {"hour": 4, "minute": 32, "second": 22}
